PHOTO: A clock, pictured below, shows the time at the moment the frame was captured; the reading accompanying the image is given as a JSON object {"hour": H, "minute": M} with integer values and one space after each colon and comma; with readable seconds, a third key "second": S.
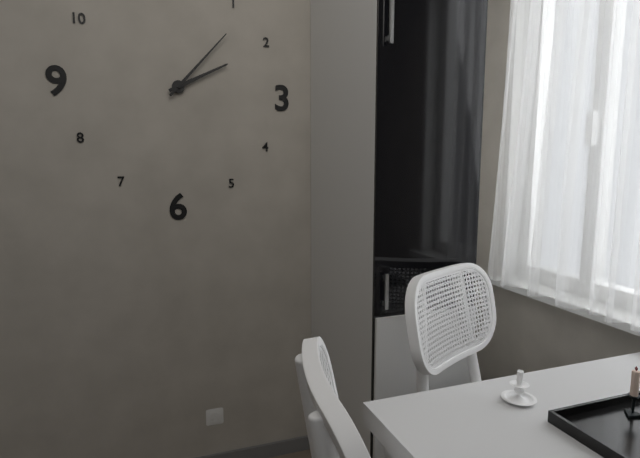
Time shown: {"hour": 2, "minute": 7}
